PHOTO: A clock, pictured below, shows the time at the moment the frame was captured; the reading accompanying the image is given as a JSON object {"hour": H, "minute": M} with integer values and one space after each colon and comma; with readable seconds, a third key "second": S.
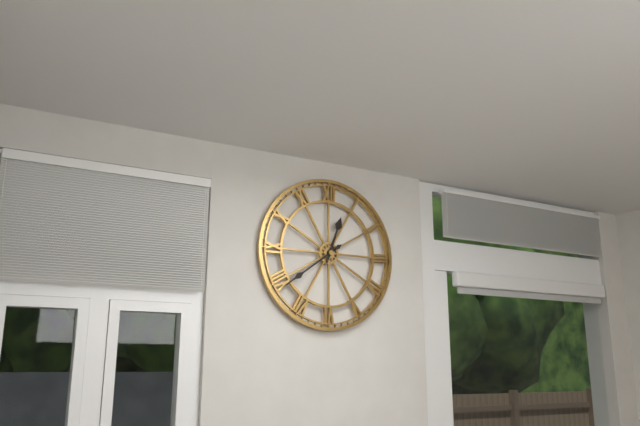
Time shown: {"hour": 12, "minute": 39}
